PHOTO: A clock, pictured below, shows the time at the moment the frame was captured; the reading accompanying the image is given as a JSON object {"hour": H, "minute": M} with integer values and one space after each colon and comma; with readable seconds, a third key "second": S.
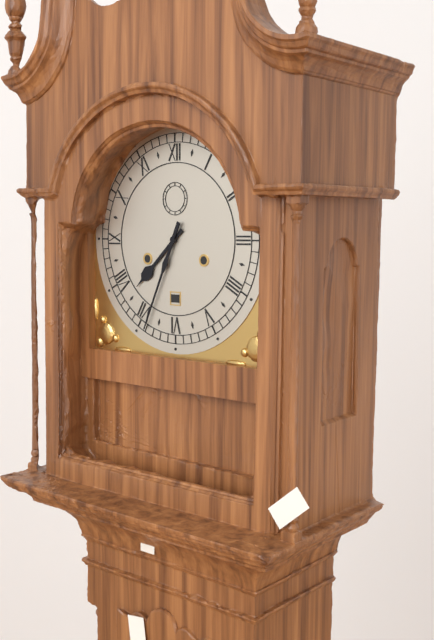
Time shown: {"hour": 7, "minute": 34}
